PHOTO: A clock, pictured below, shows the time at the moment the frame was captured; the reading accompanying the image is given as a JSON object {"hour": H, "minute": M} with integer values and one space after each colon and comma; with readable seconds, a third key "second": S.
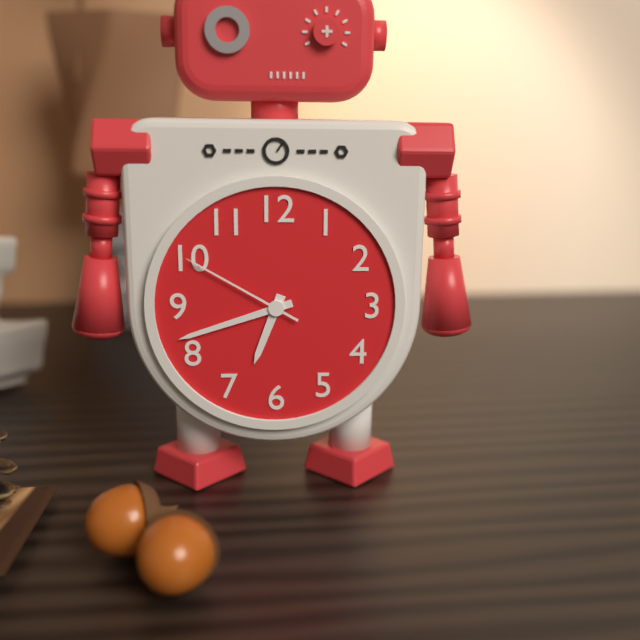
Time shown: {"hour": 6, "minute": 42, "second": 50}
